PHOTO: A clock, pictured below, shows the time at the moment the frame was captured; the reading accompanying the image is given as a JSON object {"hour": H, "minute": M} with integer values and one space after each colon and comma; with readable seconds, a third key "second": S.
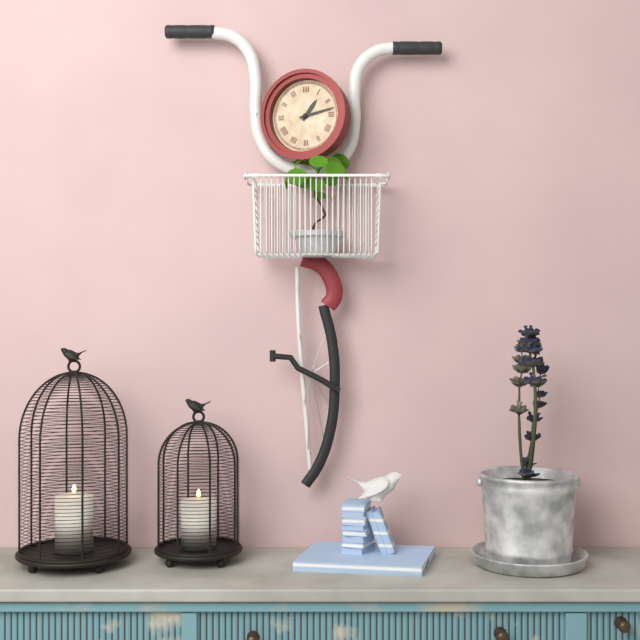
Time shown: {"hour": 1, "minute": 13}
